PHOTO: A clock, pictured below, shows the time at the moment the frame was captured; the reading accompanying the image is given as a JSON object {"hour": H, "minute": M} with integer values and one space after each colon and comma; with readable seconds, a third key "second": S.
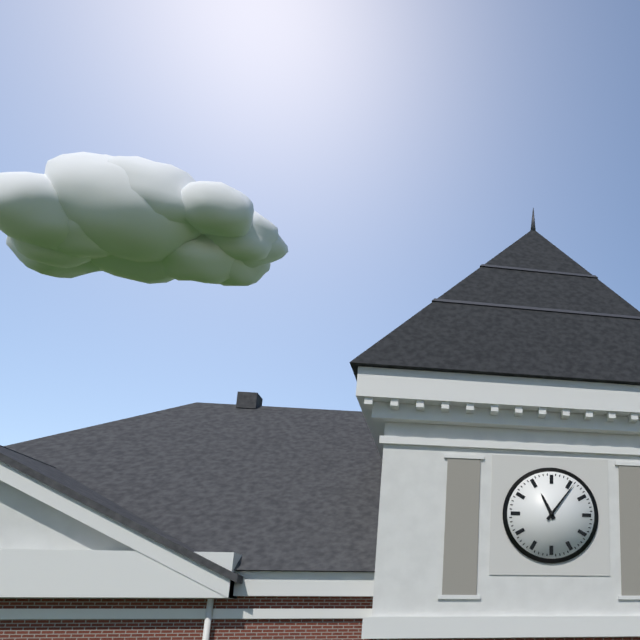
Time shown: {"hour": 11, "minute": 6}
